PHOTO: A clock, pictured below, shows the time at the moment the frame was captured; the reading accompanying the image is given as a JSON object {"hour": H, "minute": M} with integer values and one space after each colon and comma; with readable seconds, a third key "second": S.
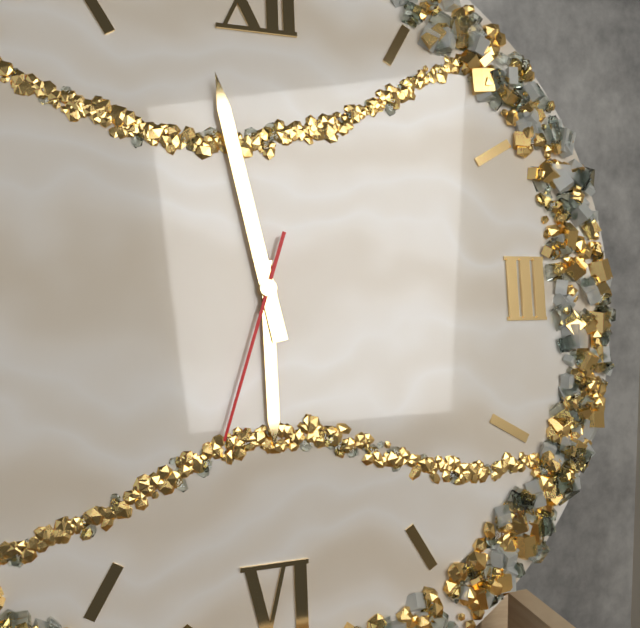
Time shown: {"hour": 5, "minute": 58, "second": 33}
